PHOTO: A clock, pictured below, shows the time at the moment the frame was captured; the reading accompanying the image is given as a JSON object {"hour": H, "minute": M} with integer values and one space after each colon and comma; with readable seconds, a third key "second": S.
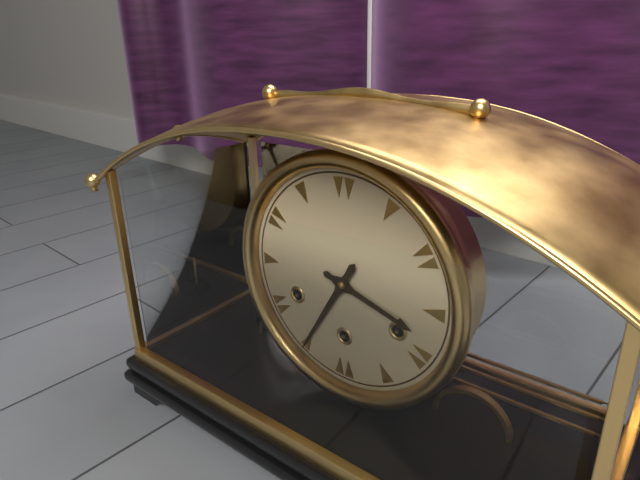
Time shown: {"hour": 3, "minute": 35}
